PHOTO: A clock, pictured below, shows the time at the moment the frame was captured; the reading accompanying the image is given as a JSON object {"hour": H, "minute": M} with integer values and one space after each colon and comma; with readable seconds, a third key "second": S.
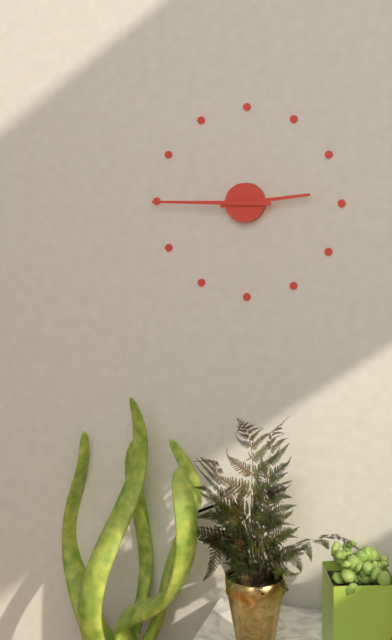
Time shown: {"hour": 2, "minute": 45}
